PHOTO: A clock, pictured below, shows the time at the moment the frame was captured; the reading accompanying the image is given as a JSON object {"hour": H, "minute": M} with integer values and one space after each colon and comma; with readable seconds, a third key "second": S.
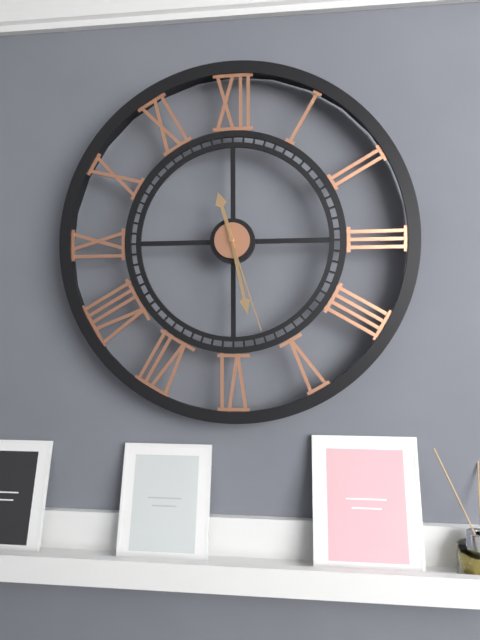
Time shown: {"hour": 11, "minute": 28, "second": 27}
